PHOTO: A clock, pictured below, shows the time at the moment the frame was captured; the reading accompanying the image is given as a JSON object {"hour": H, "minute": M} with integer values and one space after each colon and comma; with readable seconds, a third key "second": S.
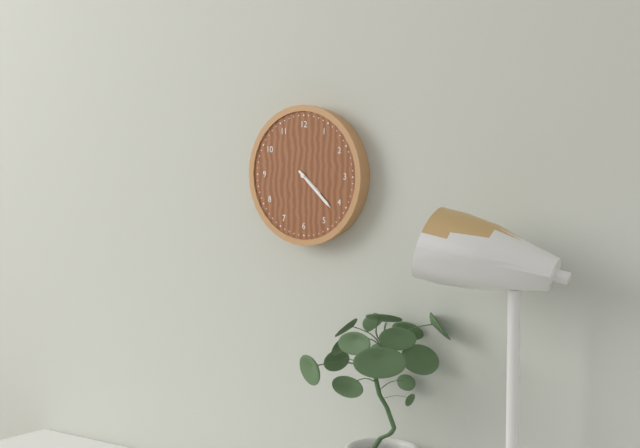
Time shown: {"hour": 4, "minute": 22}
